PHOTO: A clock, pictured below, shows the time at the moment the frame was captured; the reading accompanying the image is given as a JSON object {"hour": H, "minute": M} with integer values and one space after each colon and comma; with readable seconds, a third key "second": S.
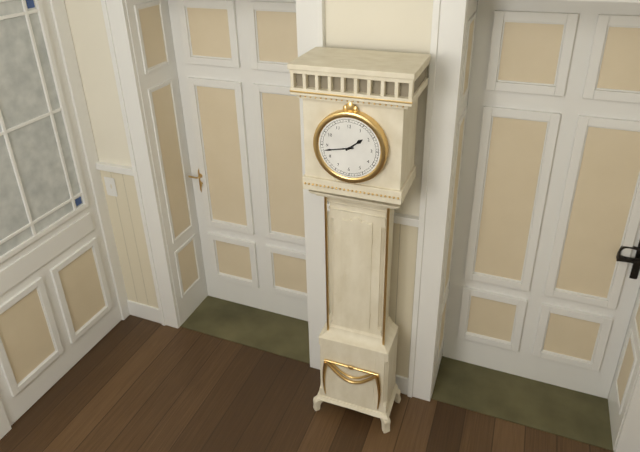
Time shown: {"hour": 1, "minute": 43}
